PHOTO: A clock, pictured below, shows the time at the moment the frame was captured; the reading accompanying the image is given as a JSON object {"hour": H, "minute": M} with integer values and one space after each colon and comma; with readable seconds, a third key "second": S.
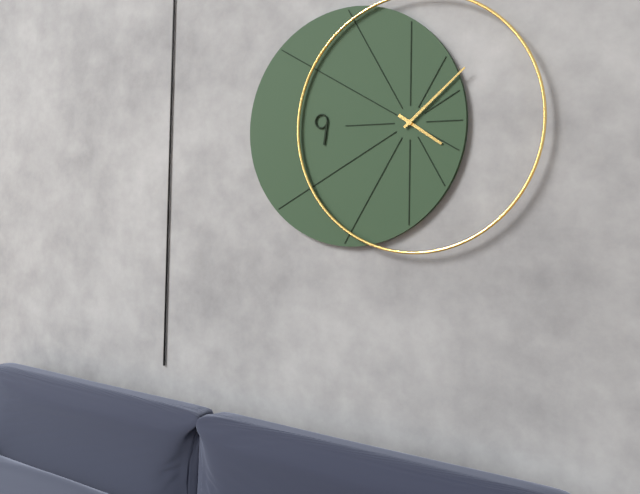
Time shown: {"hour": 4, "minute": 8}
